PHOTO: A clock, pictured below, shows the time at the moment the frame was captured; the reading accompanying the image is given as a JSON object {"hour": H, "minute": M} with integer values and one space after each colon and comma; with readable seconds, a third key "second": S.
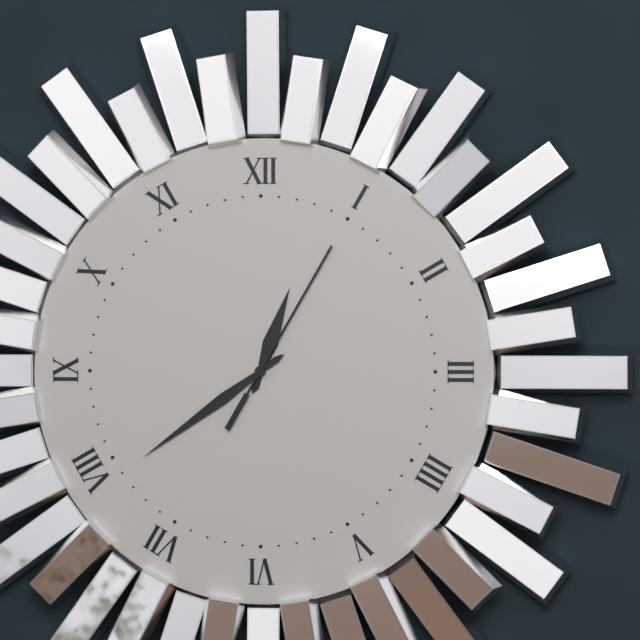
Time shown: {"hour": 12, "minute": 39, "second": 5}
